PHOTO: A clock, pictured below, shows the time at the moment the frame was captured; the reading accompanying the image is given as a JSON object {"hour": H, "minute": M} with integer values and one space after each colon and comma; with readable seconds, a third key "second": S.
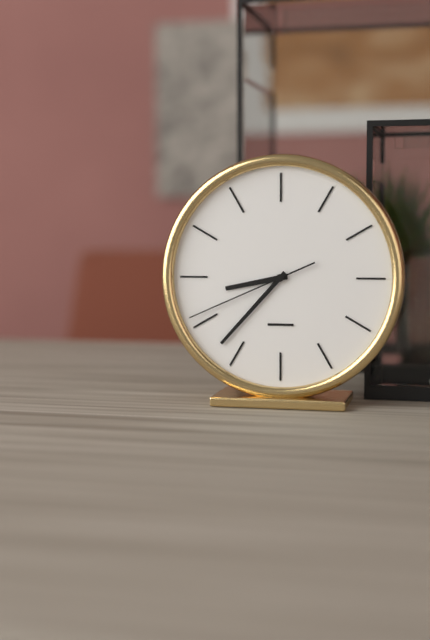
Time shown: {"hour": 8, "minute": 37, "second": 41}
